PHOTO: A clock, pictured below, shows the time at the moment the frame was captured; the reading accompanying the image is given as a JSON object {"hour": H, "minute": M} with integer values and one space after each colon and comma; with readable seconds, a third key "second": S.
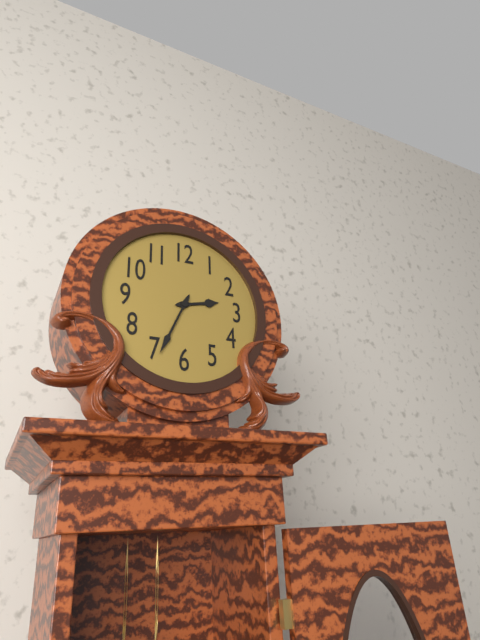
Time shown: {"hour": 2, "minute": 34}
